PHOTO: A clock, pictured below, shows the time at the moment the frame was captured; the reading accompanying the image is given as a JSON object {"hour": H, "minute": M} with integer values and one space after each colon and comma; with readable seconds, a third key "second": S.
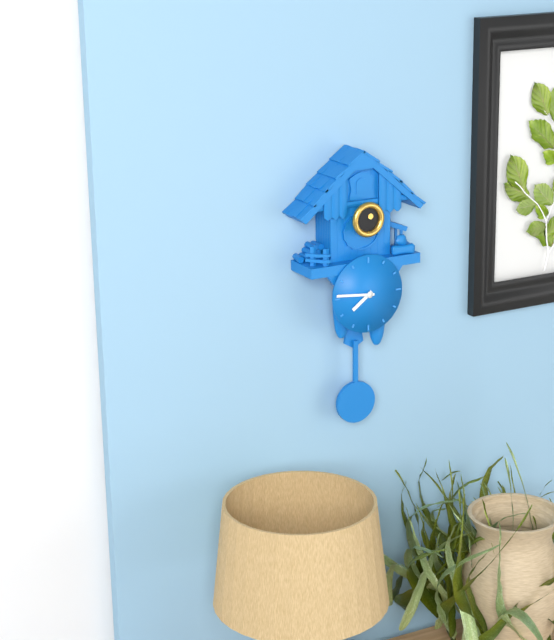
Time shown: {"hour": 7, "minute": 46}
